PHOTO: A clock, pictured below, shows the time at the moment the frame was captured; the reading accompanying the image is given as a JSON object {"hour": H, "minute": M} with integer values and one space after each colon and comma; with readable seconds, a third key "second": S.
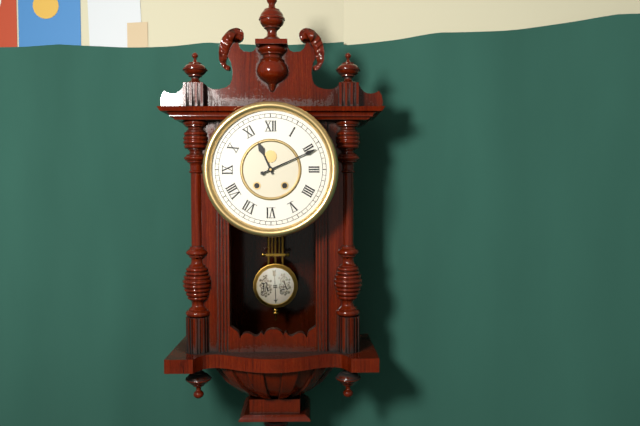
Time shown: {"hour": 11, "minute": 11}
